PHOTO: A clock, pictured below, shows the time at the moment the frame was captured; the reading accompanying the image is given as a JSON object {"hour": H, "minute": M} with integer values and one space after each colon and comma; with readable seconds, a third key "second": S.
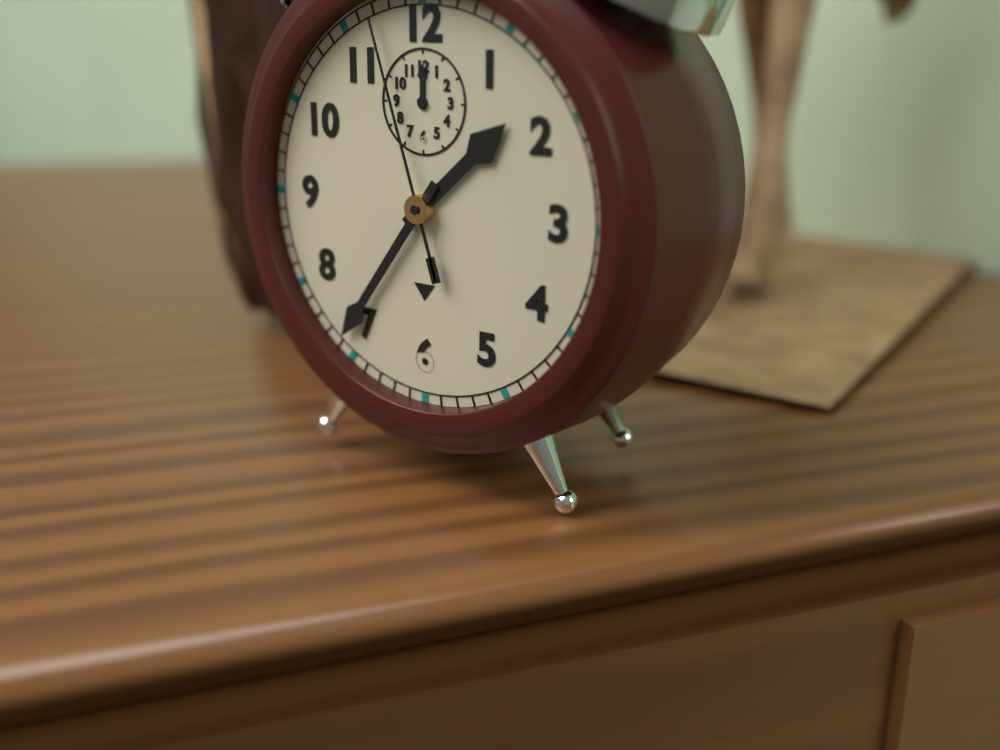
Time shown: {"hour": 1, "minute": 36, "second": 57}
